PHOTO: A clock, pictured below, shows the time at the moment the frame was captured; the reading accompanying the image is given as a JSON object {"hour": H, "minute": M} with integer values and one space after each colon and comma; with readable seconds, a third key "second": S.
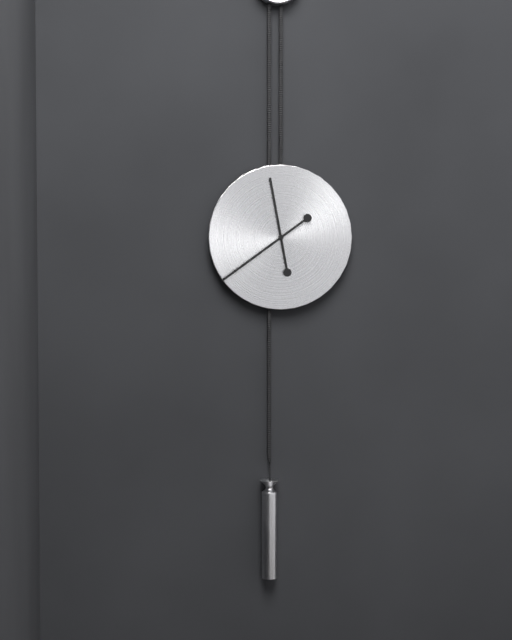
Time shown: {"hour": 11, "minute": 39}
